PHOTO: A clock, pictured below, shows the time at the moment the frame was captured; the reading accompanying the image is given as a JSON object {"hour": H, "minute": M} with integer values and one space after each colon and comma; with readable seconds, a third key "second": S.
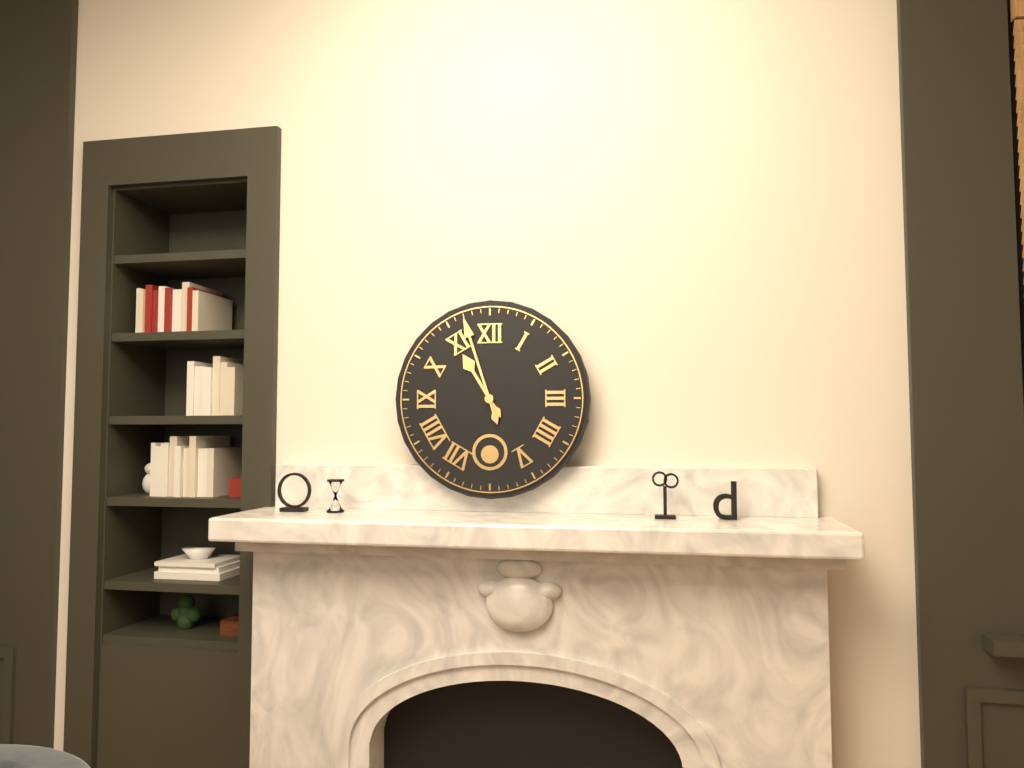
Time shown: {"hour": 10, "minute": 57}
